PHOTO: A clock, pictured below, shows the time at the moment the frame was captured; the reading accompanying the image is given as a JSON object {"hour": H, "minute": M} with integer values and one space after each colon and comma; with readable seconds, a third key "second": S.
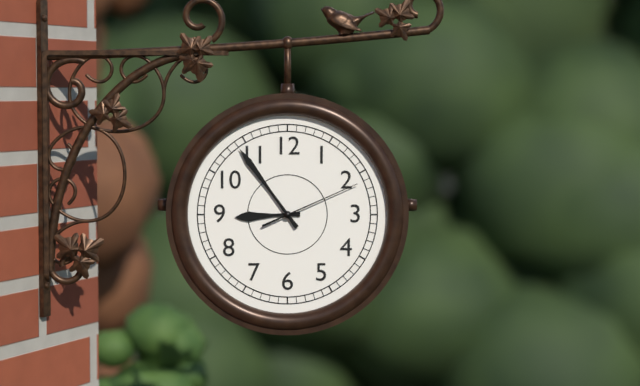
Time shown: {"hour": 8, "minute": 54, "second": 11}
